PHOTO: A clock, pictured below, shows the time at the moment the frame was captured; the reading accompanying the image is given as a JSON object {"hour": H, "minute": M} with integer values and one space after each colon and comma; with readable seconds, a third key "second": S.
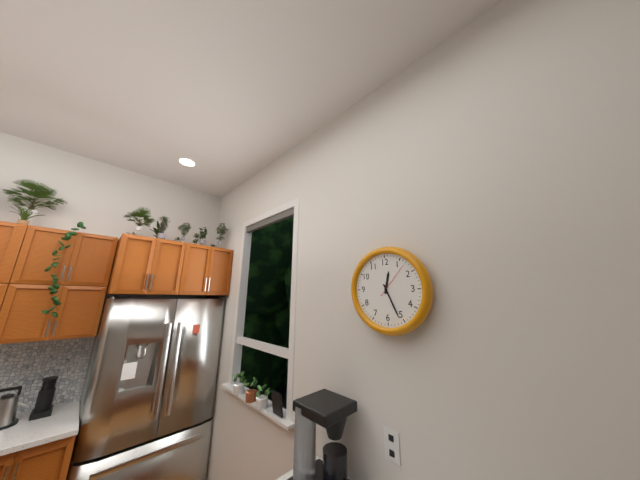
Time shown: {"hour": 12, "minute": 26}
